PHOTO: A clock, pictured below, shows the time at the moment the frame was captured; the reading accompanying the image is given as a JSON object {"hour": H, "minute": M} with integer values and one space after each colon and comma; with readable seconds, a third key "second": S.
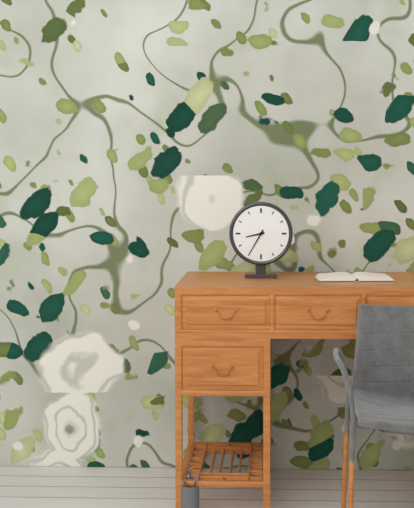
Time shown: {"hour": 8, "minute": 35}
